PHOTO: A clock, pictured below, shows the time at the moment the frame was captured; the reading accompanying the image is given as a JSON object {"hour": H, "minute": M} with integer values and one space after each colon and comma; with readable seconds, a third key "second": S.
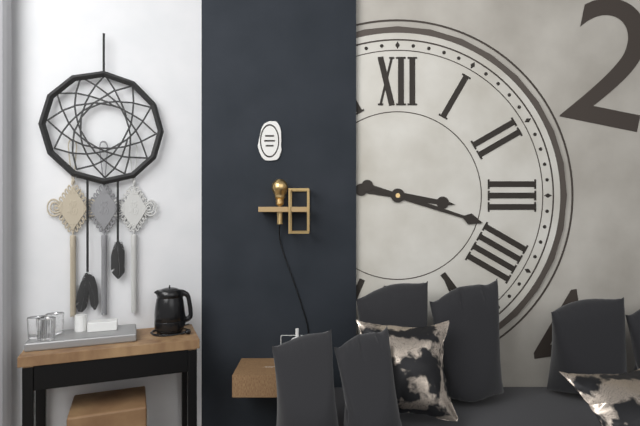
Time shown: {"hour": 3, "minute": 18}
